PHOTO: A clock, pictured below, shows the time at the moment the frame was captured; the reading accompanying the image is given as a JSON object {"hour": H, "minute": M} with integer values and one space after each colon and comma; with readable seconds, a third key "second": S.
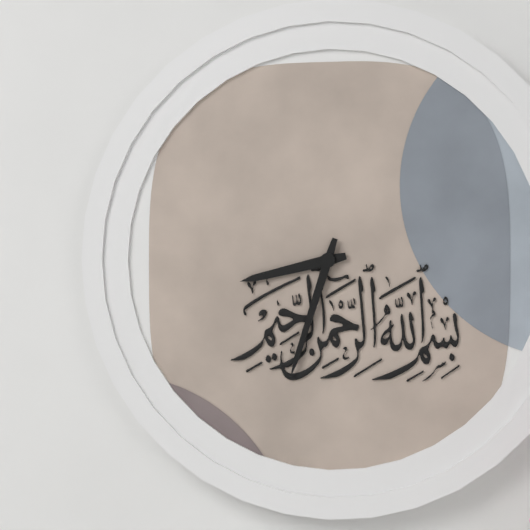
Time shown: {"hour": 8, "minute": 33}
